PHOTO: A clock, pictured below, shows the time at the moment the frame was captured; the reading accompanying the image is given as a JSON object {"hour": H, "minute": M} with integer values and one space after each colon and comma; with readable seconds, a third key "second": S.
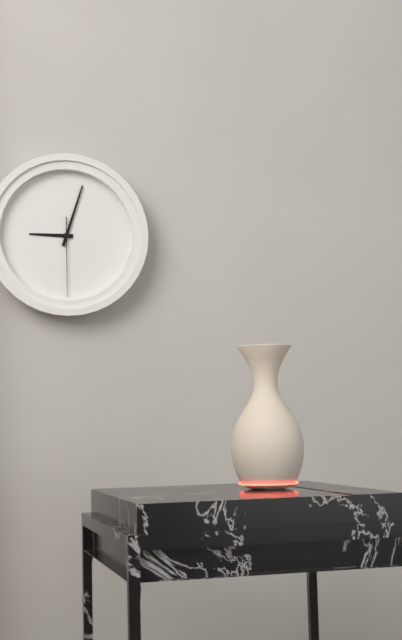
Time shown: {"hour": 9, "minute": 3, "second": 30}
